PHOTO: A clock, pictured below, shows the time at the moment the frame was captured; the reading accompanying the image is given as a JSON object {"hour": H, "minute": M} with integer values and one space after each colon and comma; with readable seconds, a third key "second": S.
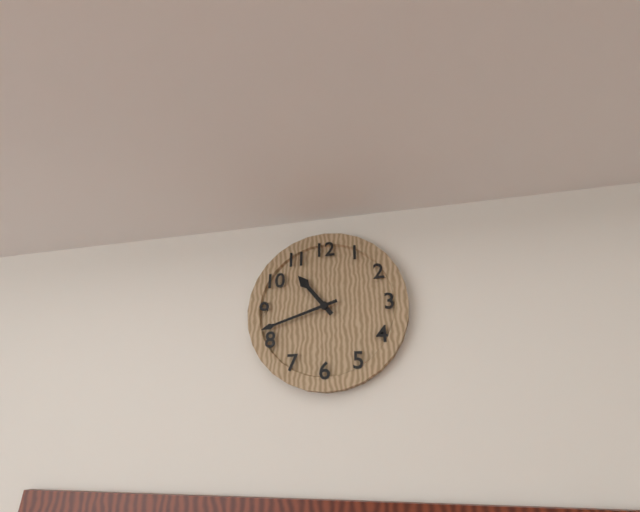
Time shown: {"hour": 10, "minute": 42}
